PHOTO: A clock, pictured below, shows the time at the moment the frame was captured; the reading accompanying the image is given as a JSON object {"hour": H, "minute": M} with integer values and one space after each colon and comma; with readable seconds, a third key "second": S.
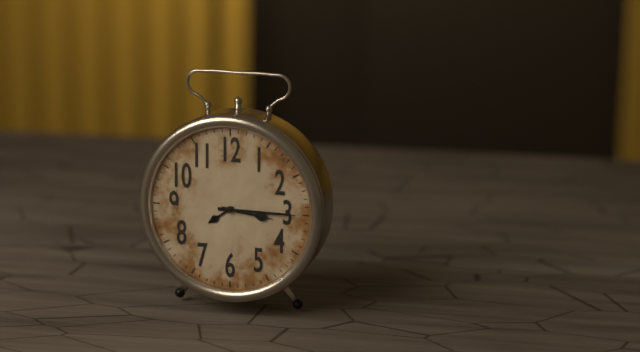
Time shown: {"hour": 3, "minute": 15}
